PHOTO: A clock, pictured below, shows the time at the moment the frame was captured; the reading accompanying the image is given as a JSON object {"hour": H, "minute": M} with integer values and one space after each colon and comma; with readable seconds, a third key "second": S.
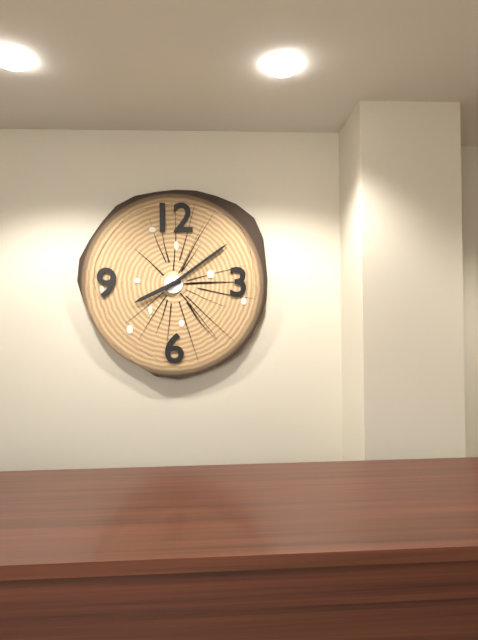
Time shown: {"hour": 8, "minute": 9}
